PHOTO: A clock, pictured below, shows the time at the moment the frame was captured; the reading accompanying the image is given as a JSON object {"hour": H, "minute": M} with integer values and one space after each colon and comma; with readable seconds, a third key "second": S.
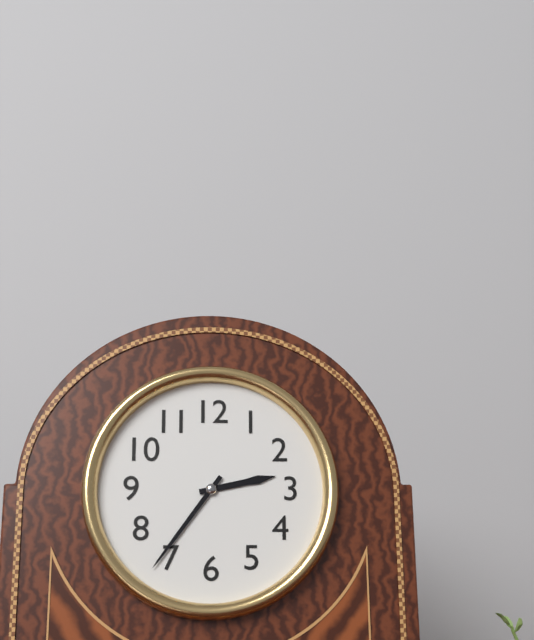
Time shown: {"hour": 2, "minute": 36}
